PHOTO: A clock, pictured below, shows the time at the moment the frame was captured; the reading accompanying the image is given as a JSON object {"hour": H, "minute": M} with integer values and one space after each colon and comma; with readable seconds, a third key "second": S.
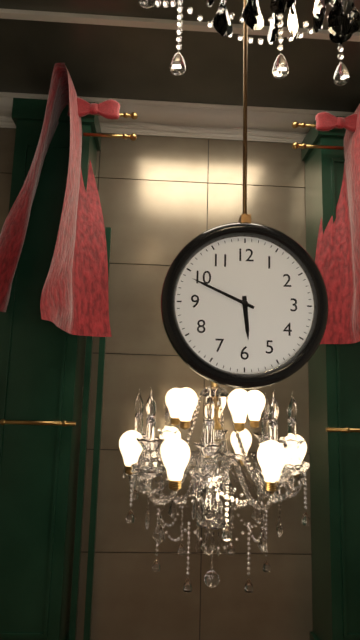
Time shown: {"hour": 5, "minute": 49}
